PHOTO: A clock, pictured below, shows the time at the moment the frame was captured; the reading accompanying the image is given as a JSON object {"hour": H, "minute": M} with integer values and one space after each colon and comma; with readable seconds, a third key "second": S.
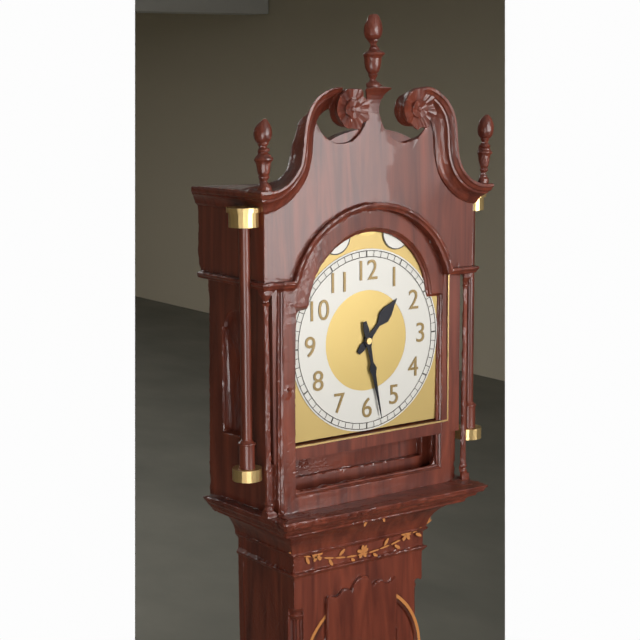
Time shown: {"hour": 1, "minute": 28}
